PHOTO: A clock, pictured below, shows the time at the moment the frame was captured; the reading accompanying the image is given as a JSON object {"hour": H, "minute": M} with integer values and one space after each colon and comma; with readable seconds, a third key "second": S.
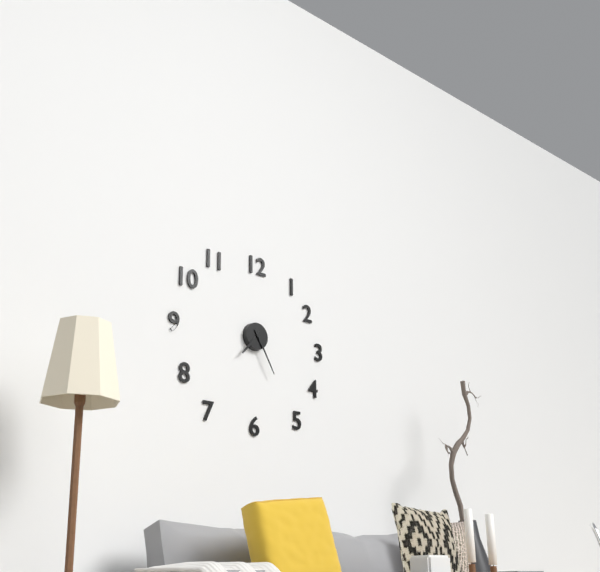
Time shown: {"hour": 7, "minute": 25}
